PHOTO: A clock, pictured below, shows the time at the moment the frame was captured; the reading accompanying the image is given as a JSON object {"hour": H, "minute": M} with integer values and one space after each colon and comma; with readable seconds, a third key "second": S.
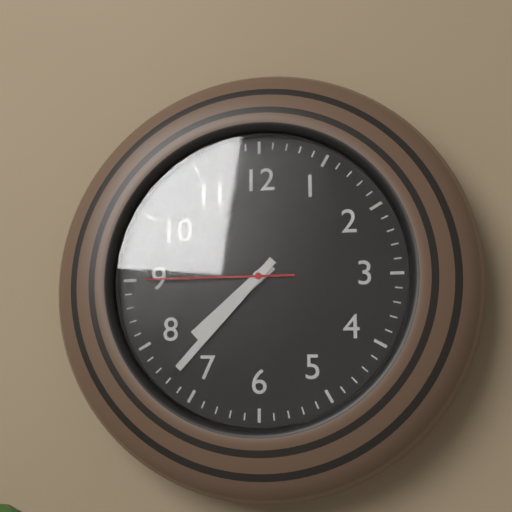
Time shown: {"hour": 7, "minute": 37, "second": 45}
